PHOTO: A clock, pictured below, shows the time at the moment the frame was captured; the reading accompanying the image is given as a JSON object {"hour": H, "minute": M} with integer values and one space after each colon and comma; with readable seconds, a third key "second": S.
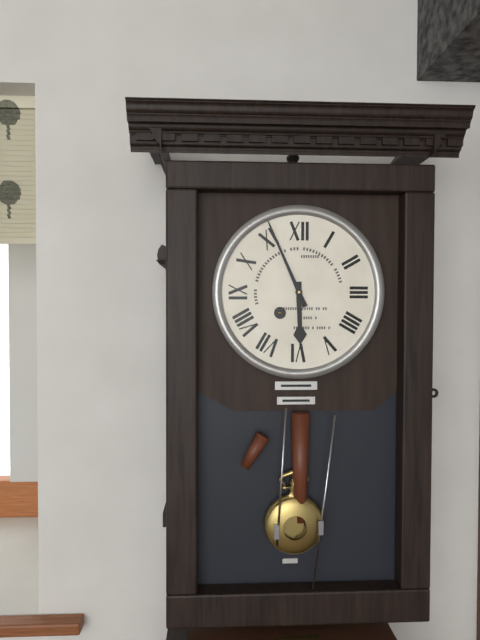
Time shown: {"hour": 5, "minute": 56}
